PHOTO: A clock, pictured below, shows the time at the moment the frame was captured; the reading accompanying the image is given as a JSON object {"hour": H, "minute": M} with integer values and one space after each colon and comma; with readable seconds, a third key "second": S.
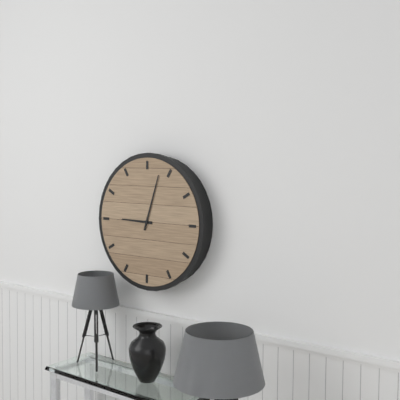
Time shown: {"hour": 9, "minute": 3}
